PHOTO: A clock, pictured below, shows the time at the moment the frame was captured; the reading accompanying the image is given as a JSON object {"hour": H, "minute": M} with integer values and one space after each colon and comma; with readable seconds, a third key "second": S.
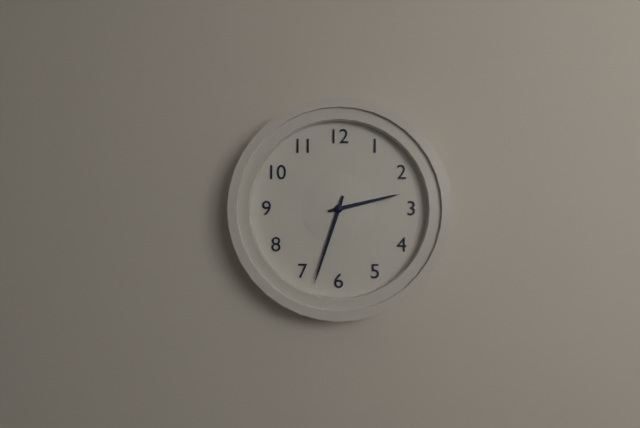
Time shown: {"hour": 2, "minute": 33}
